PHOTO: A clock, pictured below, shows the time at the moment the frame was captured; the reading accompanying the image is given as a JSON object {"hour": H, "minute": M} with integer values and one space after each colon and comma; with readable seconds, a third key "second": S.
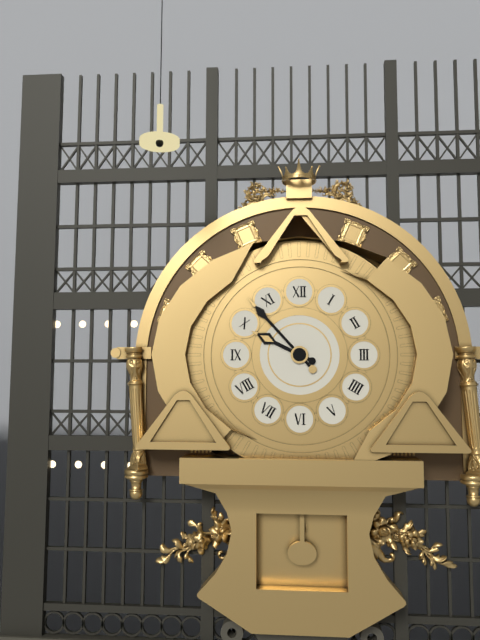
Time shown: {"hour": 9, "minute": 53}
